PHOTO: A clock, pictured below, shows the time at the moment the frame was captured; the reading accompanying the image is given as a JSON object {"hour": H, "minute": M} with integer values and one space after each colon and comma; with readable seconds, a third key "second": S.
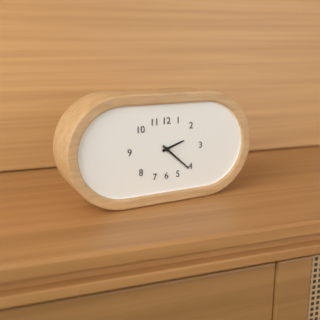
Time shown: {"hour": 2, "minute": 22}
